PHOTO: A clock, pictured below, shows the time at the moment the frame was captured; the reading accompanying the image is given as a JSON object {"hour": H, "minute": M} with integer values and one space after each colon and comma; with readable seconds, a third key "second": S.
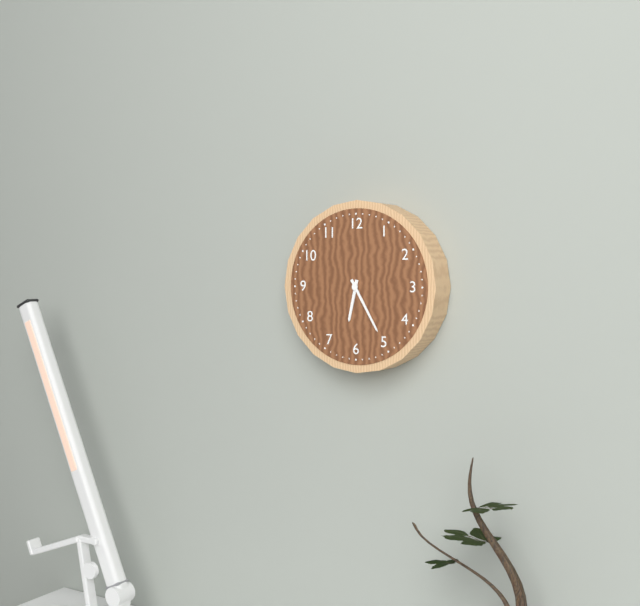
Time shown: {"hour": 6, "minute": 25}
